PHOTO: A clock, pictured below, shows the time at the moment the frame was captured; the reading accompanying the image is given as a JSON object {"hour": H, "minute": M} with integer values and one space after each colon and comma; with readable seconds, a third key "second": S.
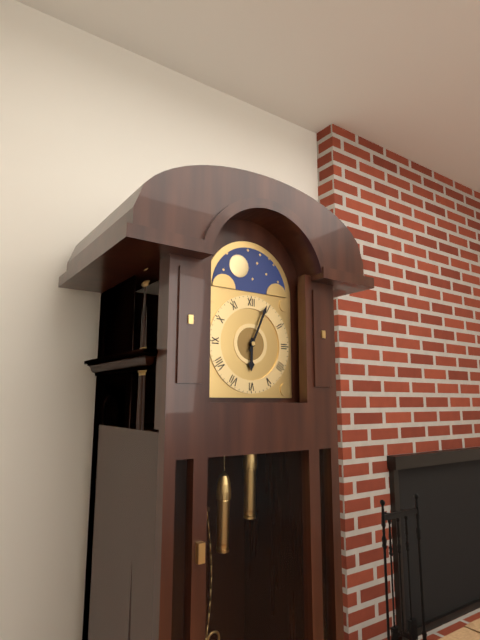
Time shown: {"hour": 6, "minute": 4}
